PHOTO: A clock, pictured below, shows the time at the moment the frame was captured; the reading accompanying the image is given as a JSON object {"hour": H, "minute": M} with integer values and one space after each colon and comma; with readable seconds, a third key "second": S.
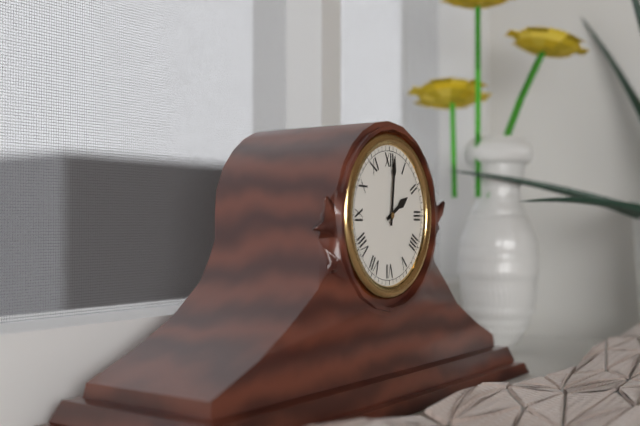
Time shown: {"hour": 2, "minute": 1}
